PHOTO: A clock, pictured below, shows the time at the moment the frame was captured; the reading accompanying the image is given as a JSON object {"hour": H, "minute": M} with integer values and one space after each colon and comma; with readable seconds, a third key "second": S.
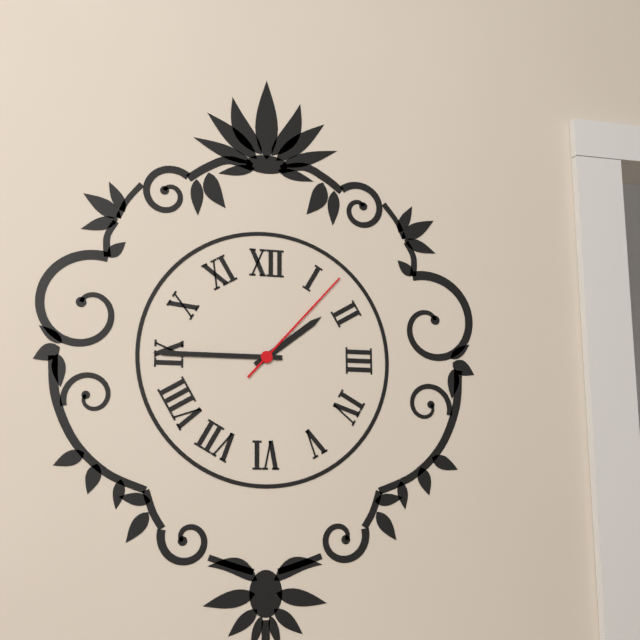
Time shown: {"hour": 1, "minute": 45, "second": 7}
